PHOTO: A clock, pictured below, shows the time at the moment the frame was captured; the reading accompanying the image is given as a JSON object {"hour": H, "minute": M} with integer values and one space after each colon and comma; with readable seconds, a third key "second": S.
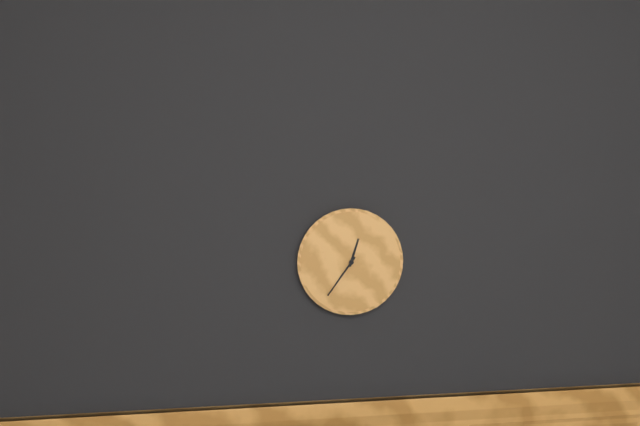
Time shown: {"hour": 12, "minute": 36}
